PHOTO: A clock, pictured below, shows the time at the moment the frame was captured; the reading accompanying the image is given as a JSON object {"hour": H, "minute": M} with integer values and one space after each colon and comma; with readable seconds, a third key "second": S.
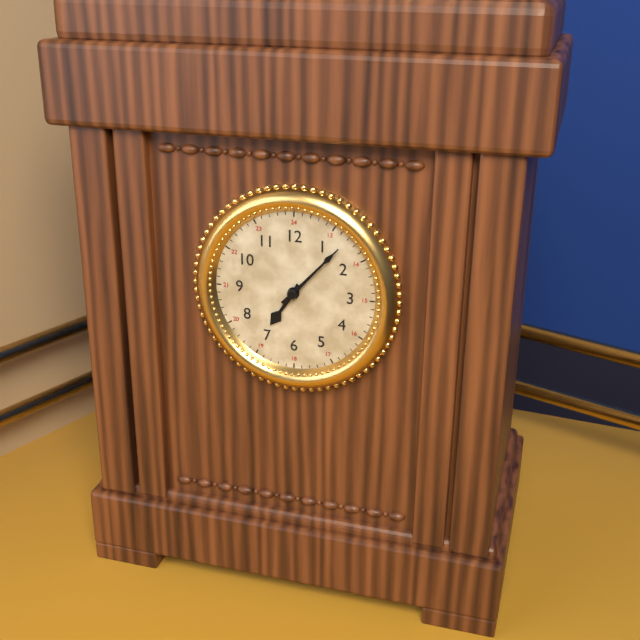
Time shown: {"hour": 7, "minute": 7}
